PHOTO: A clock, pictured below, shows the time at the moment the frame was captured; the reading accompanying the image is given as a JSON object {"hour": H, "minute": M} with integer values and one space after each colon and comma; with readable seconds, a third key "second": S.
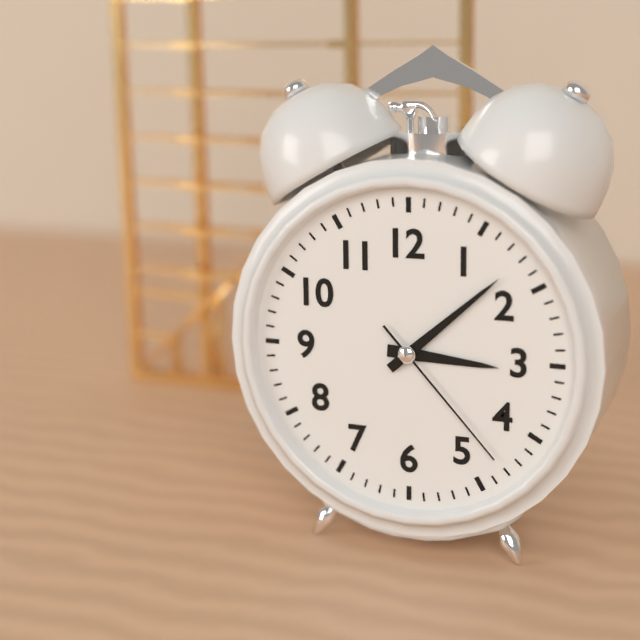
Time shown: {"hour": 3, "minute": 8, "second": 23}
